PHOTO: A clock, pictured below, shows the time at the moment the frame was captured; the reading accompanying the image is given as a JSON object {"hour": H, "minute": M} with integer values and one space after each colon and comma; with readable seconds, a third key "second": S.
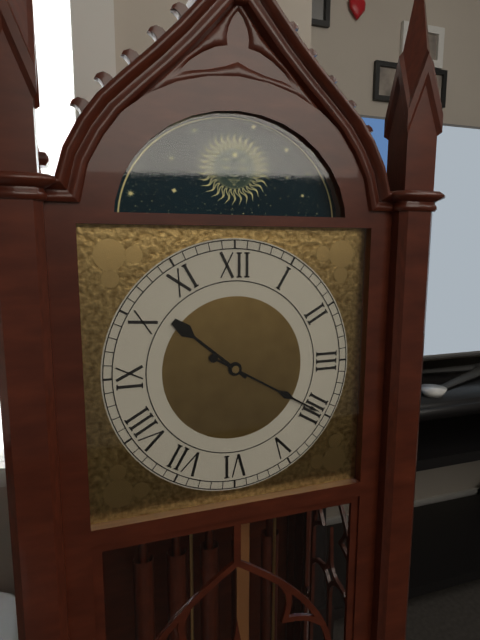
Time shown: {"hour": 10, "minute": 20}
